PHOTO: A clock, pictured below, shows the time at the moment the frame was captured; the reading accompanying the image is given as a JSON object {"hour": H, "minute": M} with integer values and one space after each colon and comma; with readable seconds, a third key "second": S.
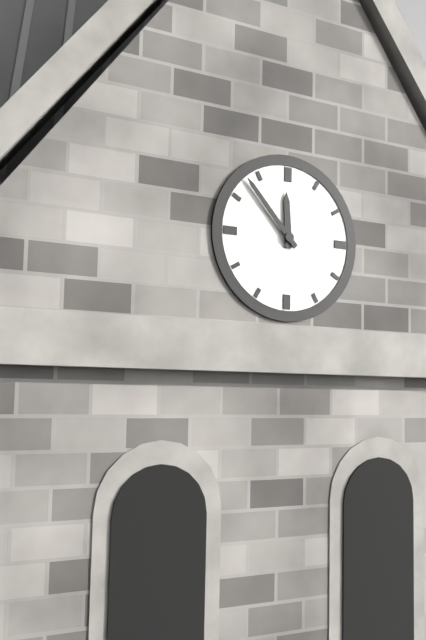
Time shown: {"hour": 11, "minute": 53}
